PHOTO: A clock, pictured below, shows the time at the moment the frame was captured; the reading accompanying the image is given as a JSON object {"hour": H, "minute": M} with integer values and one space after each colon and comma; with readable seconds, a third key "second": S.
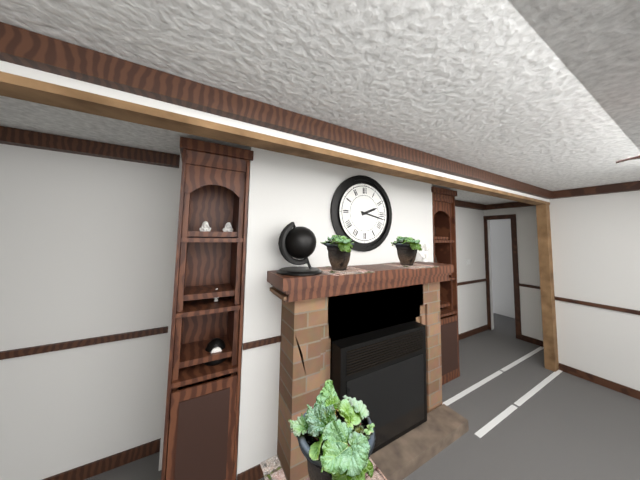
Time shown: {"hour": 2, "minute": 17}
